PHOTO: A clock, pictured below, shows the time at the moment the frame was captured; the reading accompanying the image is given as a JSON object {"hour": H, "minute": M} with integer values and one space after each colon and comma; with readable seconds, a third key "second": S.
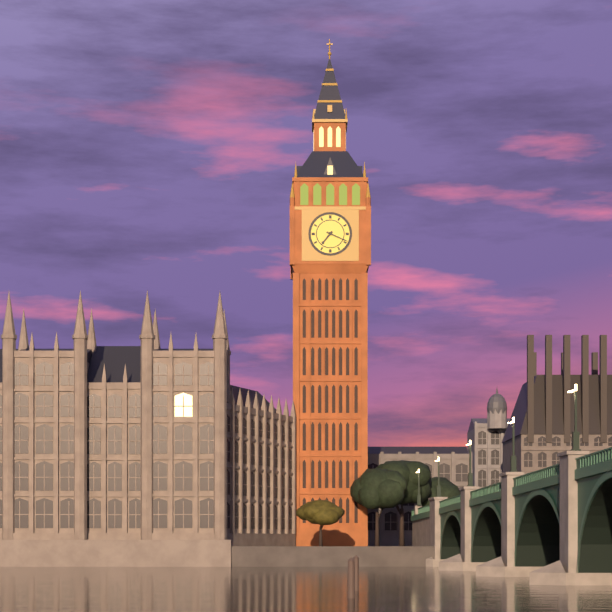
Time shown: {"hour": 7, "minute": 19}
